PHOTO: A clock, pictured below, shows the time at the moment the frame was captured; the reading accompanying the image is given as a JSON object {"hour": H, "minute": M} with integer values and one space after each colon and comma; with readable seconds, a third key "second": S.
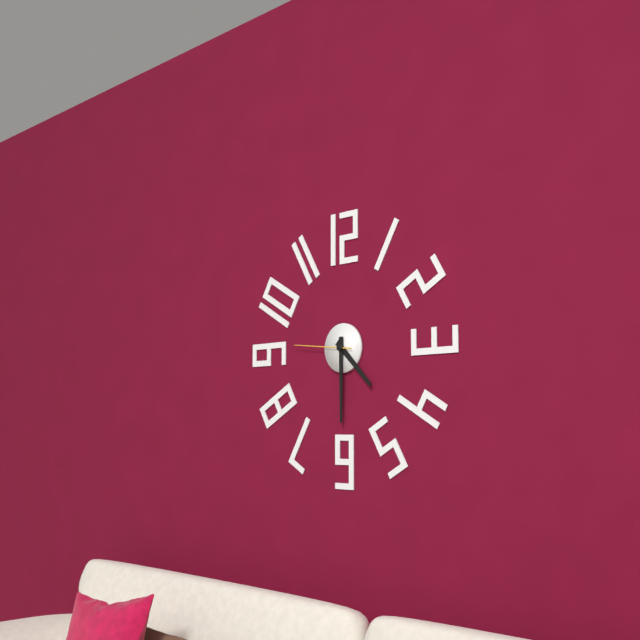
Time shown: {"hour": 4, "minute": 30, "second": 46}
